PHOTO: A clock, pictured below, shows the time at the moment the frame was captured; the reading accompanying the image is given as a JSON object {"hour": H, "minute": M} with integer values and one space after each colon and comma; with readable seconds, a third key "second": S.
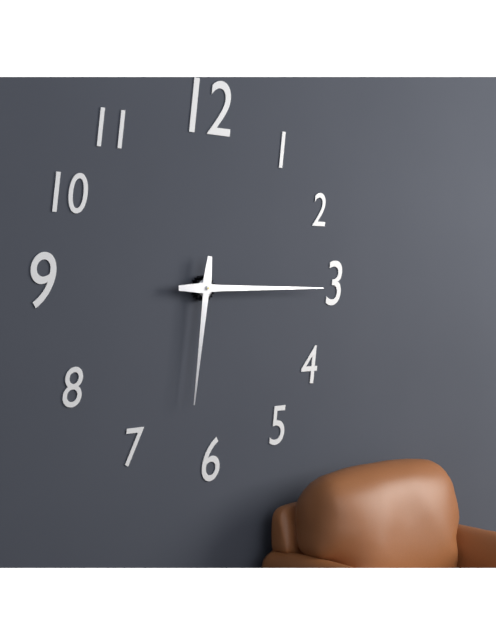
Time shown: {"hour": 6, "minute": 15}
